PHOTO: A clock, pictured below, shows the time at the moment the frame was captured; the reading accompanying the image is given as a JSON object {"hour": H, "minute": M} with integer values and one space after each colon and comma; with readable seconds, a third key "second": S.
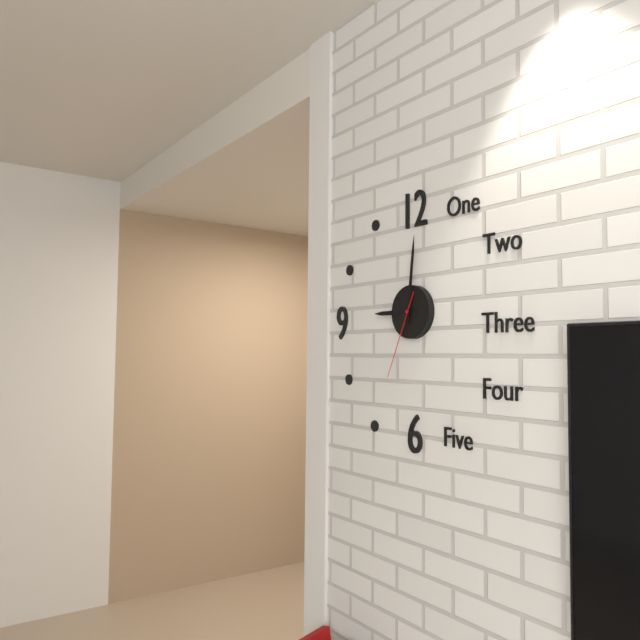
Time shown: {"hour": 9, "minute": 1, "second": 34}
